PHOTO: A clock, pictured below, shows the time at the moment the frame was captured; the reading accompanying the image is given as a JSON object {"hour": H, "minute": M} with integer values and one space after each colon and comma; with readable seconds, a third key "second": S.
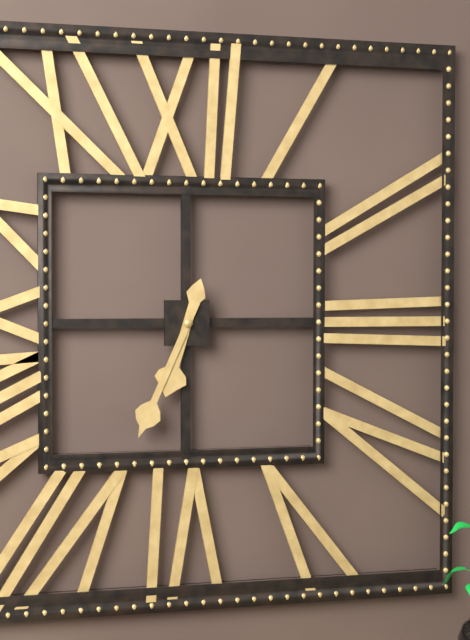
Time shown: {"hour": 6, "minute": 34}
